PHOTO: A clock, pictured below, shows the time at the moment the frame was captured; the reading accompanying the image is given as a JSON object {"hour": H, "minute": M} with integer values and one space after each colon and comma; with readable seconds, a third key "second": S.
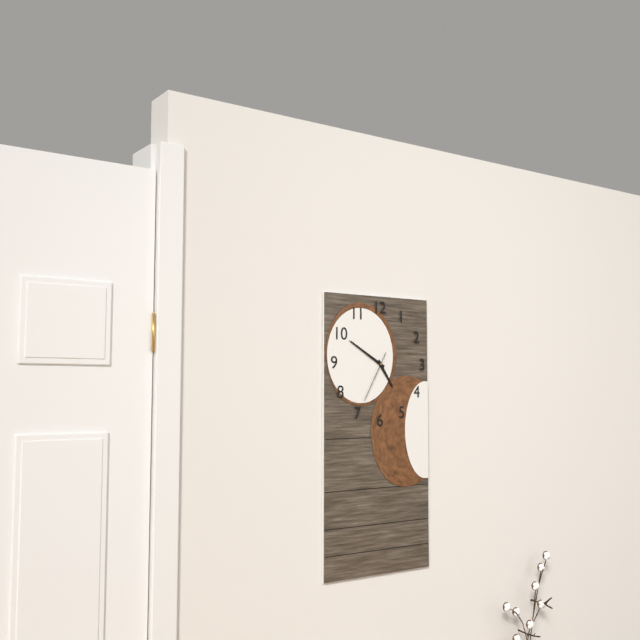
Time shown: {"hour": 4, "minute": 50, "second": 35}
